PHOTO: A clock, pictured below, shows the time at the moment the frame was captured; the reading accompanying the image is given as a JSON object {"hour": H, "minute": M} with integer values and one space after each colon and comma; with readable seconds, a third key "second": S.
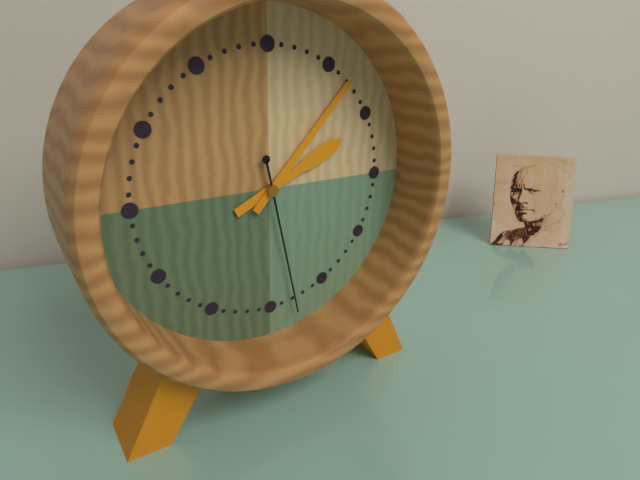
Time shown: {"hour": 2, "minute": 7, "second": 28}
